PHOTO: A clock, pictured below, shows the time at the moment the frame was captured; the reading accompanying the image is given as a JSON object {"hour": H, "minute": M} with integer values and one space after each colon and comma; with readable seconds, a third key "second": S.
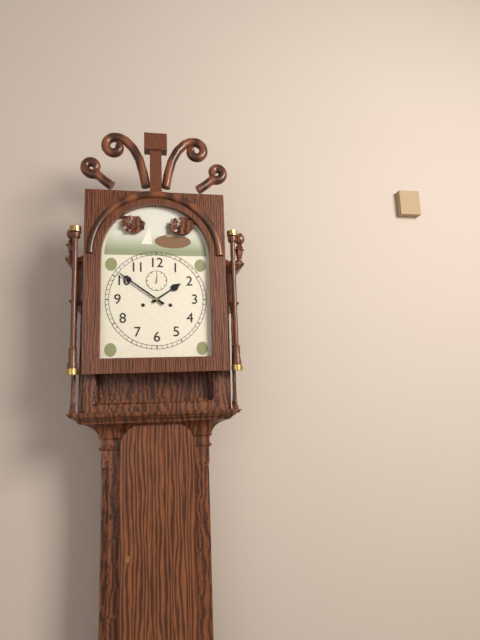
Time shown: {"hour": 1, "minute": 51}
